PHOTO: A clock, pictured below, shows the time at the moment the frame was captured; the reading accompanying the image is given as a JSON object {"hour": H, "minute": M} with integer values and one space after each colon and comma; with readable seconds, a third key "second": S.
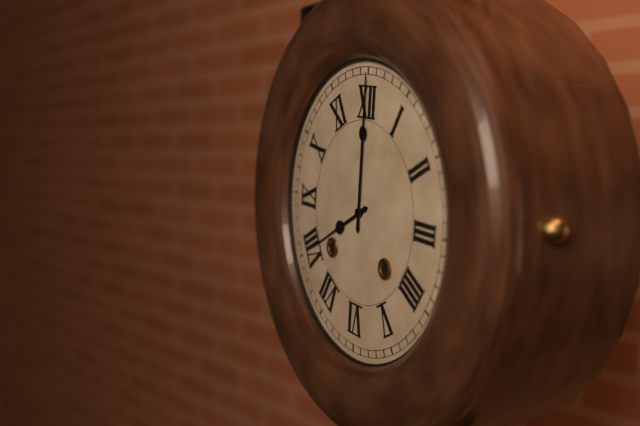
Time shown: {"hour": 8, "minute": 0}
